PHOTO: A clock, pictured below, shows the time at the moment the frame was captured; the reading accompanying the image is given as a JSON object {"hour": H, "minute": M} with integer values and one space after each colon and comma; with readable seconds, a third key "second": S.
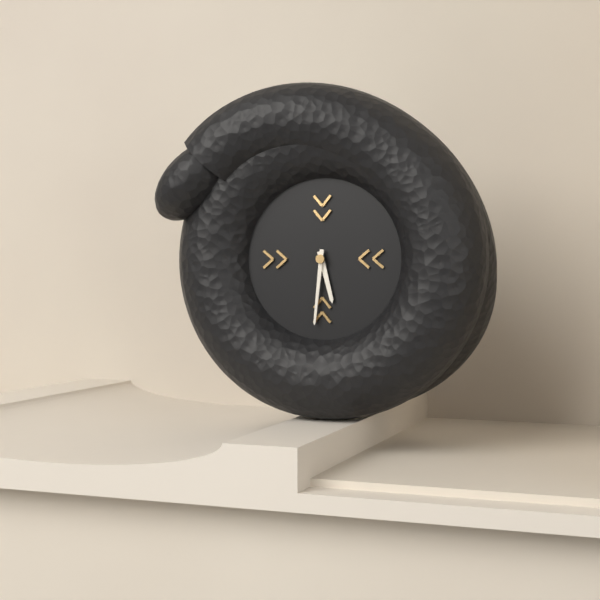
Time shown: {"hour": 5, "minute": 31}
